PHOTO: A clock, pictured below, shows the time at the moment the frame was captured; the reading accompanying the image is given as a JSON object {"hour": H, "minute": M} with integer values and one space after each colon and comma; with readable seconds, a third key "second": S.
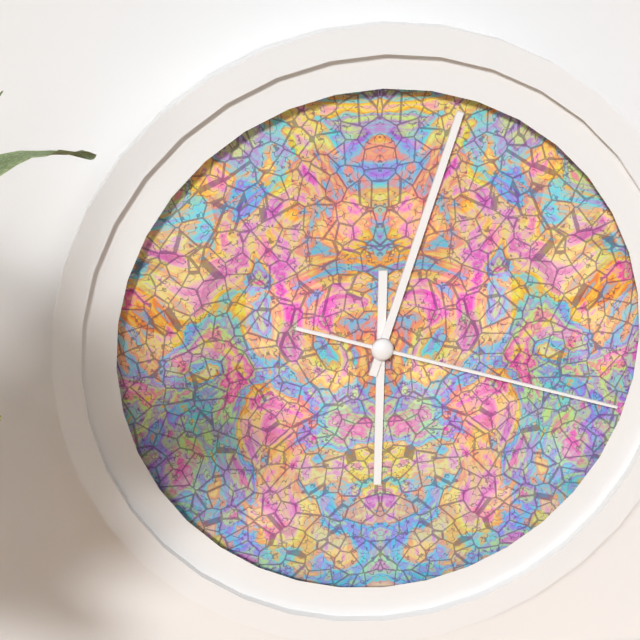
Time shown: {"hour": 6, "minute": 3, "second": 18}
